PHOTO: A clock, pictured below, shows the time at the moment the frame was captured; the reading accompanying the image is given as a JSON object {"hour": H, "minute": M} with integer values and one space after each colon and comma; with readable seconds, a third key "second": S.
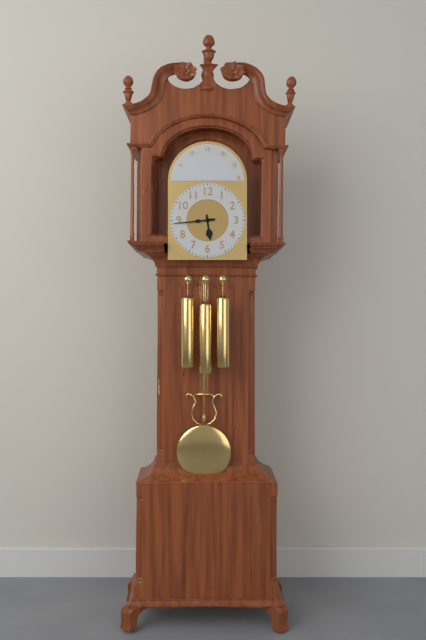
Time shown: {"hour": 5, "minute": 44}
